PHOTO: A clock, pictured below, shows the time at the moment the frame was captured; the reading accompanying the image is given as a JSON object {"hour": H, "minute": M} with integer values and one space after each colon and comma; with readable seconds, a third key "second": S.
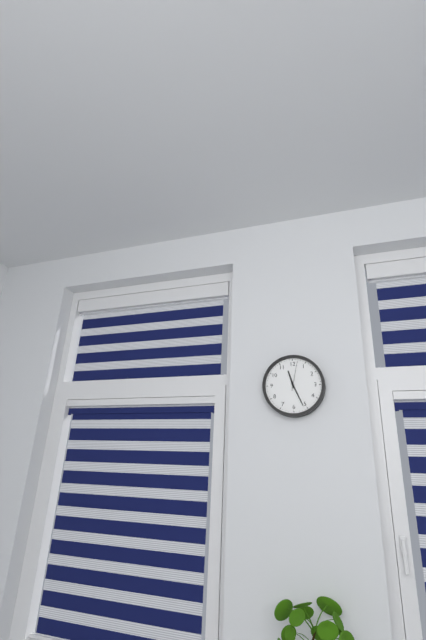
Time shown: {"hour": 11, "minute": 26}
